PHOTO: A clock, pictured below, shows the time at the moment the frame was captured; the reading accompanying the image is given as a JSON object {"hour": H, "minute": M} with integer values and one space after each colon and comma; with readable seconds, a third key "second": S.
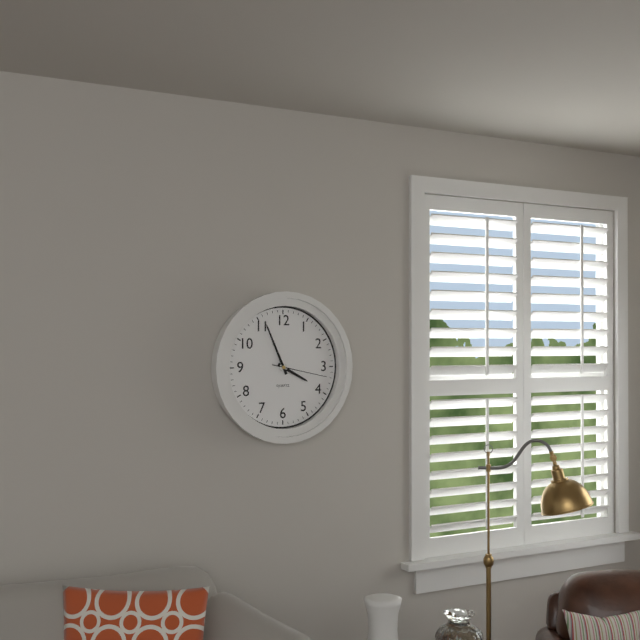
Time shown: {"hour": 3, "minute": 56, "second": 17}
